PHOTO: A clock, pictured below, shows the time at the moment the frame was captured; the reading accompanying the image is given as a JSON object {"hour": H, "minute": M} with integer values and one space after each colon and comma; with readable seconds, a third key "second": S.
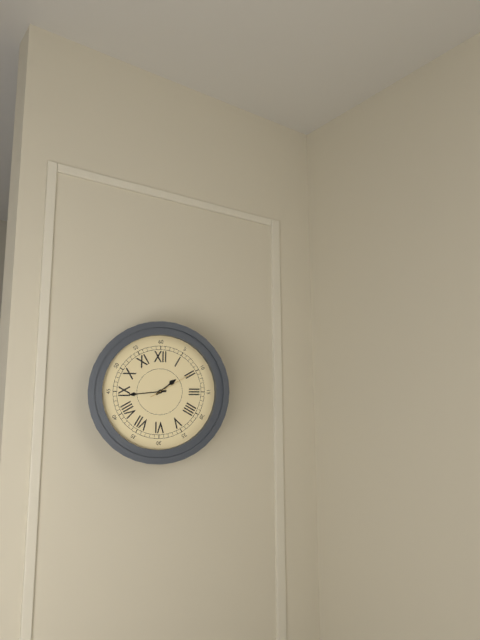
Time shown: {"hour": 1, "minute": 44}
